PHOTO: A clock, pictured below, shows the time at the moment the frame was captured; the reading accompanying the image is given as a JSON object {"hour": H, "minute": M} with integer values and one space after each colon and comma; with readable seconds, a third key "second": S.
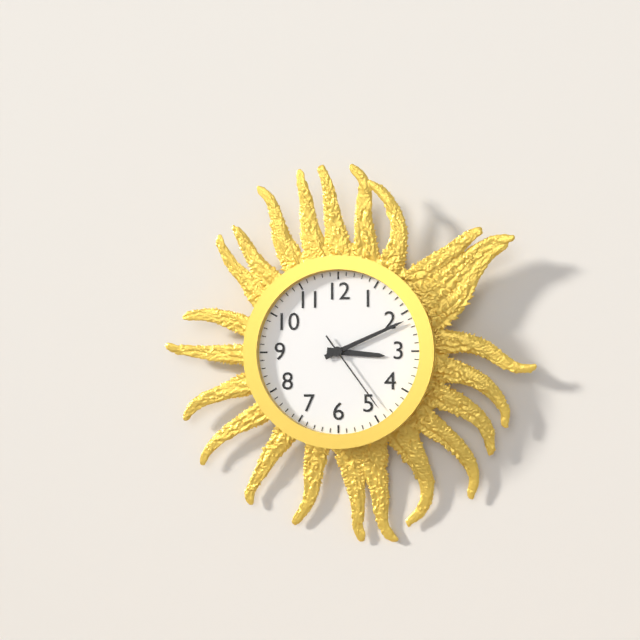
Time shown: {"hour": 3, "minute": 11, "second": 24}
